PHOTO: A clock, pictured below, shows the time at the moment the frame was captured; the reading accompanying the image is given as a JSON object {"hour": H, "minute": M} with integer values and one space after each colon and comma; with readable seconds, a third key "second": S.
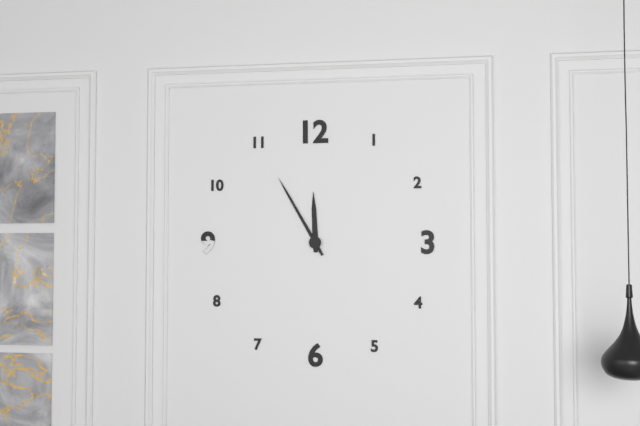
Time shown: {"hour": 11, "minute": 55}
